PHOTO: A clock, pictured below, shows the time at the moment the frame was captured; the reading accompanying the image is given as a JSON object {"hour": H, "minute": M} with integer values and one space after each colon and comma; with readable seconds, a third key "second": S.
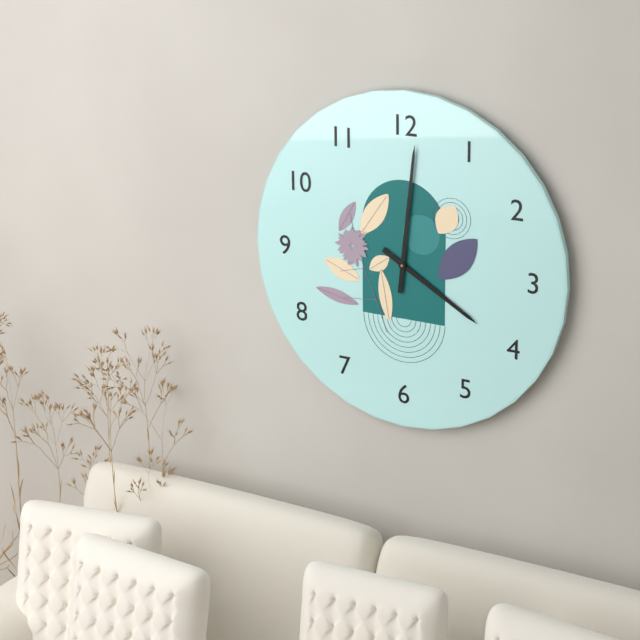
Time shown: {"hour": 4, "minute": 1}
